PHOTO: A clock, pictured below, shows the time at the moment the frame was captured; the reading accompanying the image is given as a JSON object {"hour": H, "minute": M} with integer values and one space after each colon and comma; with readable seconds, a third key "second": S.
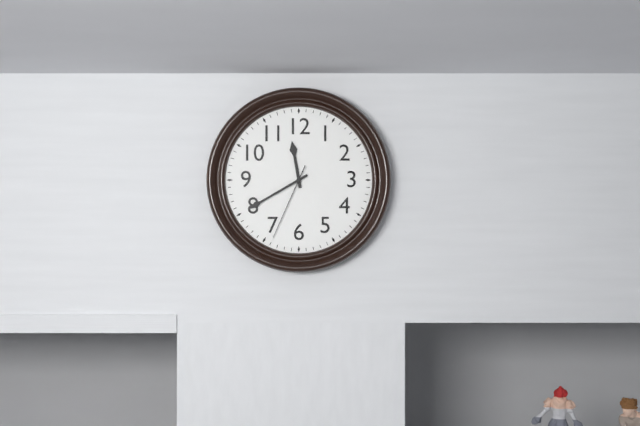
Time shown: {"hour": 11, "minute": 40, "second": 34}
